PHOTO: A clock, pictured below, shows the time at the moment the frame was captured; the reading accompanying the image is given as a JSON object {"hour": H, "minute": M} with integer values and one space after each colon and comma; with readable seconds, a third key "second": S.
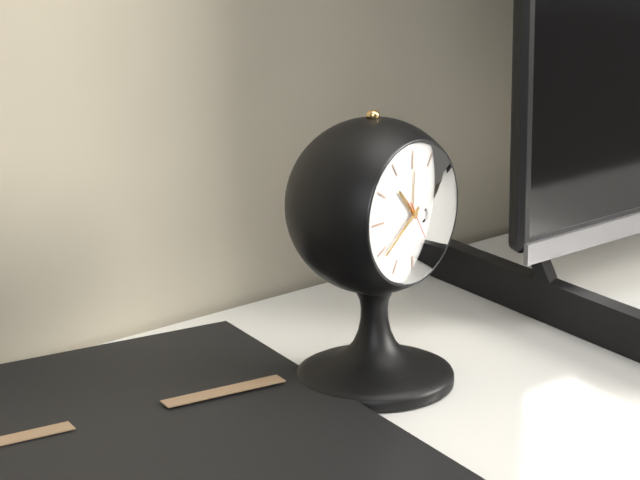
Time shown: {"hour": 10, "minute": 39, "second": 25}
